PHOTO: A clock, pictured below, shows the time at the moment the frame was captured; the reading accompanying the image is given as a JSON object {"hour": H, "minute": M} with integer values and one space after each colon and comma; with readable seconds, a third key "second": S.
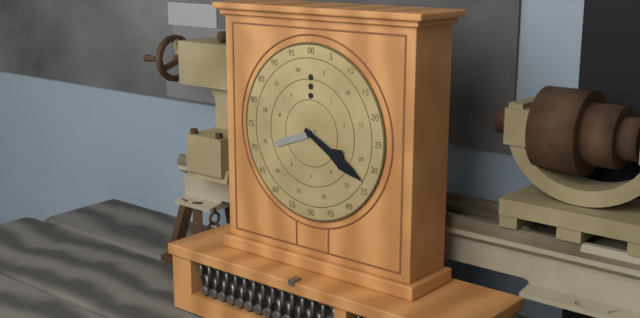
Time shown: {"hour": 8, "minute": 20}
